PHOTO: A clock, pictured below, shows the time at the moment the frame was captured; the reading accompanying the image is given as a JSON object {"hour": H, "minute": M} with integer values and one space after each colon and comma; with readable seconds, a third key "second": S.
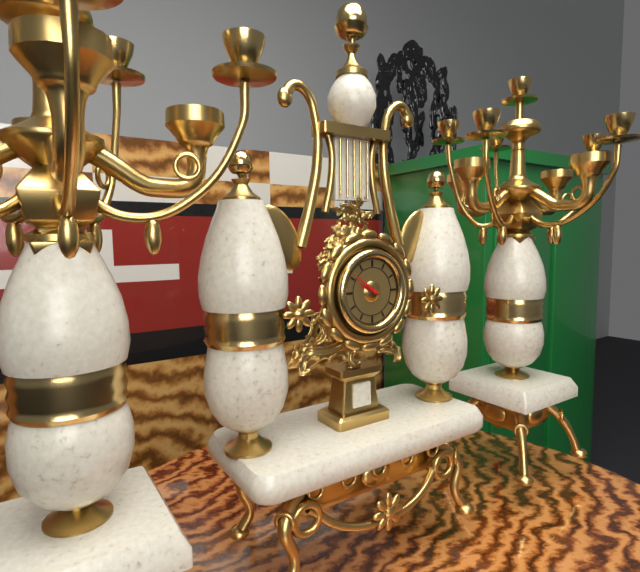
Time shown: {"hour": 9, "minute": 51}
